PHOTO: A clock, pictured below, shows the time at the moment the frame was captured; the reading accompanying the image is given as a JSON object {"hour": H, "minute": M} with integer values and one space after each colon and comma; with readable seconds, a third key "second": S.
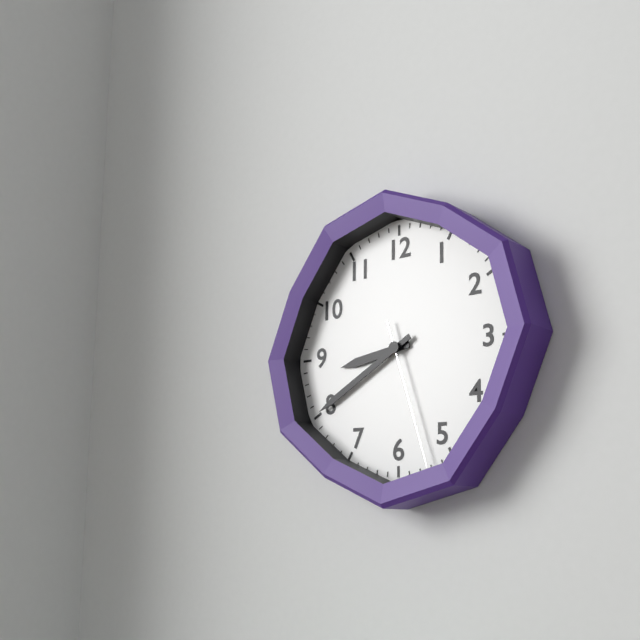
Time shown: {"hour": 8, "minute": 40, "second": 27}
